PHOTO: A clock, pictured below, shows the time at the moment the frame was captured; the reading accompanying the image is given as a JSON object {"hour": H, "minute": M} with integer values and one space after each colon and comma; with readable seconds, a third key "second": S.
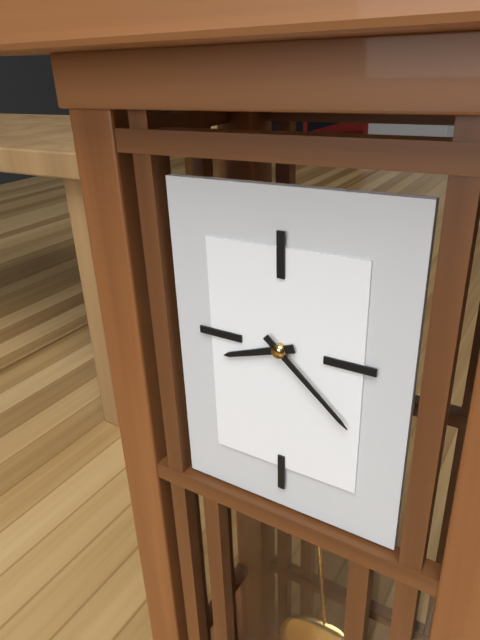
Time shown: {"hour": 8, "minute": 22}
